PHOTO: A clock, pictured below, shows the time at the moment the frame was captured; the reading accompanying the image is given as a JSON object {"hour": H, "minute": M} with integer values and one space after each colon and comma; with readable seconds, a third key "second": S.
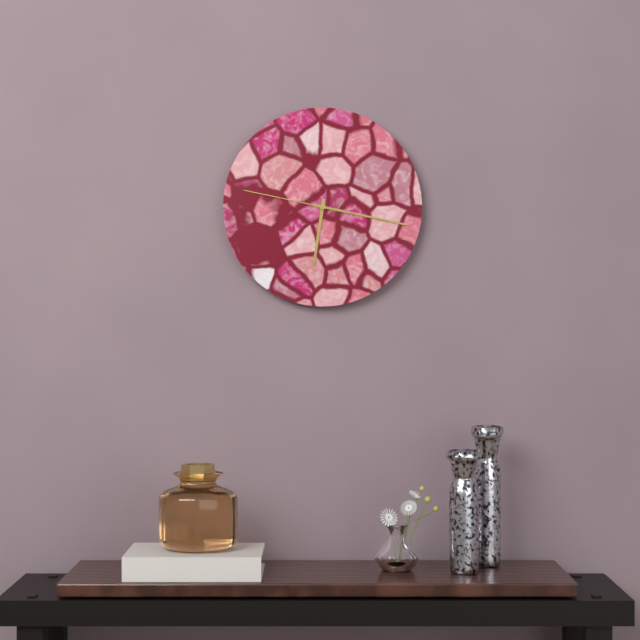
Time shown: {"hour": 6, "minute": 17, "second": 47}
